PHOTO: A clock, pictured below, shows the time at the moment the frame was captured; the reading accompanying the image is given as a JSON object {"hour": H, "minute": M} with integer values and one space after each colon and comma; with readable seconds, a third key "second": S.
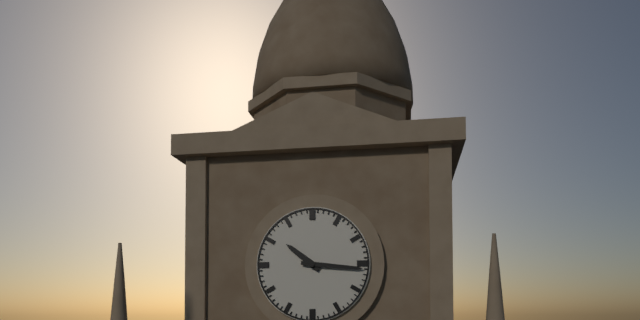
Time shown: {"hour": 10, "minute": 16}
